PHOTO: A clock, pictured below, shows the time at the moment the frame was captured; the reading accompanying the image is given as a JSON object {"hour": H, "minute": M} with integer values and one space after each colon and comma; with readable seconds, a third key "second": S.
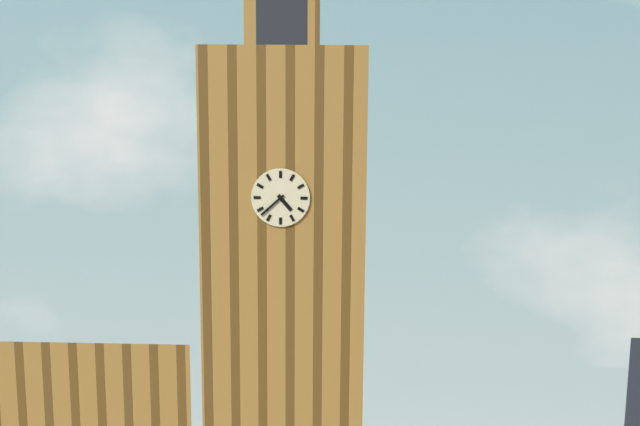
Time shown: {"hour": 4, "minute": 38}
